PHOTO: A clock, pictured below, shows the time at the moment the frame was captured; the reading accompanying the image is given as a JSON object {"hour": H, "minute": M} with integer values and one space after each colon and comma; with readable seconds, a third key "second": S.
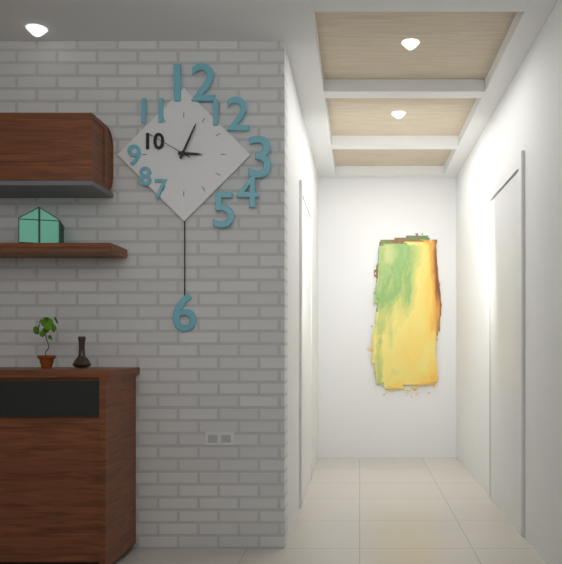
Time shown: {"hour": 3, "minute": 4, "second": 50}
